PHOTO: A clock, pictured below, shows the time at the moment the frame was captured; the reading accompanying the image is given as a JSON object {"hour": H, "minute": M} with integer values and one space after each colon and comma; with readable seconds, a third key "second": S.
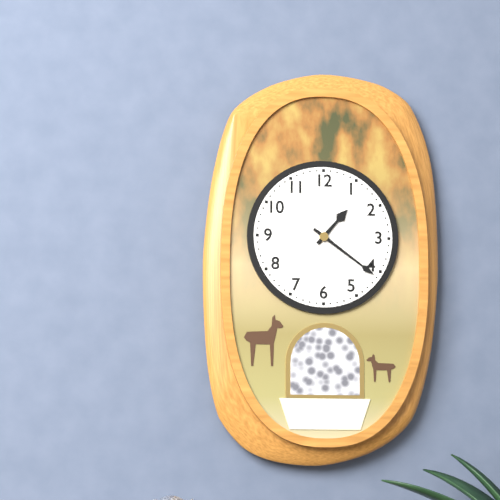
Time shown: {"hour": 1, "minute": 21}
